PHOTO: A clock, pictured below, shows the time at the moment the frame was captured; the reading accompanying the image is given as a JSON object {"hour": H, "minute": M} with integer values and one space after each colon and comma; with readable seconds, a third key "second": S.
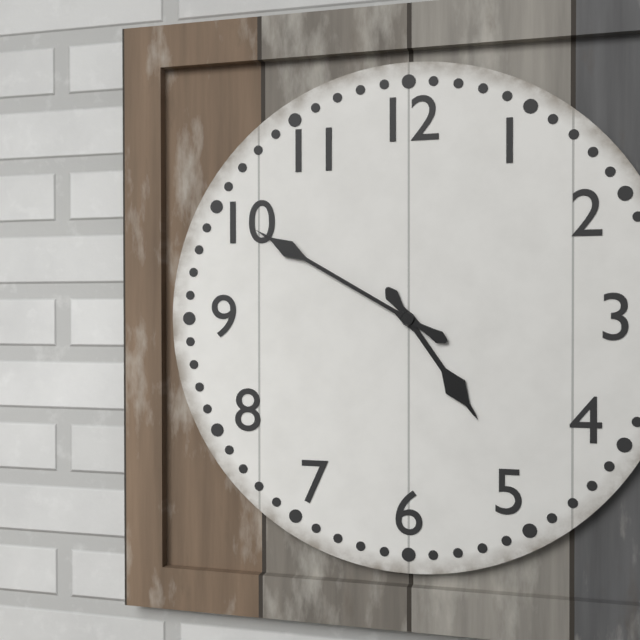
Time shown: {"hour": 4, "minute": 50}
